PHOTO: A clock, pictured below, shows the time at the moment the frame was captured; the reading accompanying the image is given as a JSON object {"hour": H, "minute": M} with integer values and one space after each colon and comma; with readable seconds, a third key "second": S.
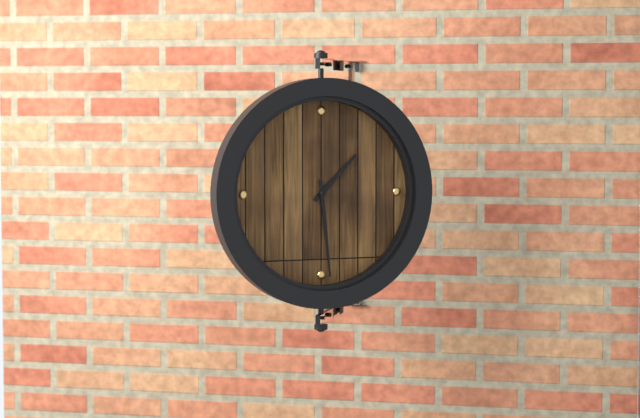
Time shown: {"hour": 1, "minute": 29}
